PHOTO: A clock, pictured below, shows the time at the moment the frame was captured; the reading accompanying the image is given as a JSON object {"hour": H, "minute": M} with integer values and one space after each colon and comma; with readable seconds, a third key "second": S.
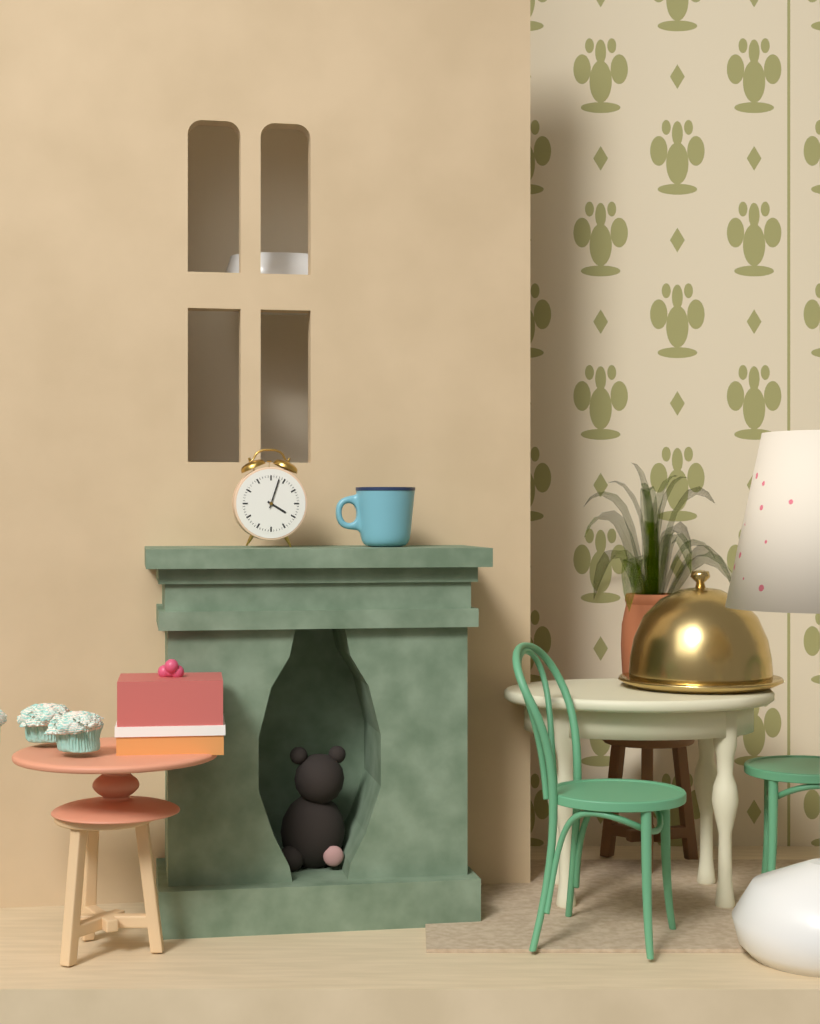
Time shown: {"hour": 4, "minute": 3}
